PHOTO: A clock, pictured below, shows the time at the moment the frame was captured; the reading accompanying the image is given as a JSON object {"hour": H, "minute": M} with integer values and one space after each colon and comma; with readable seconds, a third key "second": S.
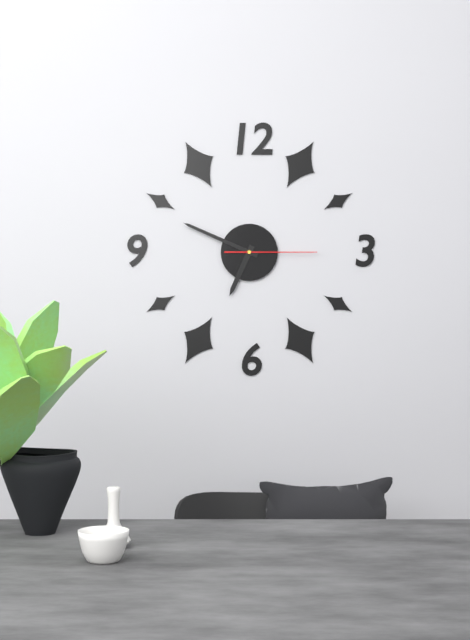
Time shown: {"hour": 6, "minute": 49, "second": 15}
